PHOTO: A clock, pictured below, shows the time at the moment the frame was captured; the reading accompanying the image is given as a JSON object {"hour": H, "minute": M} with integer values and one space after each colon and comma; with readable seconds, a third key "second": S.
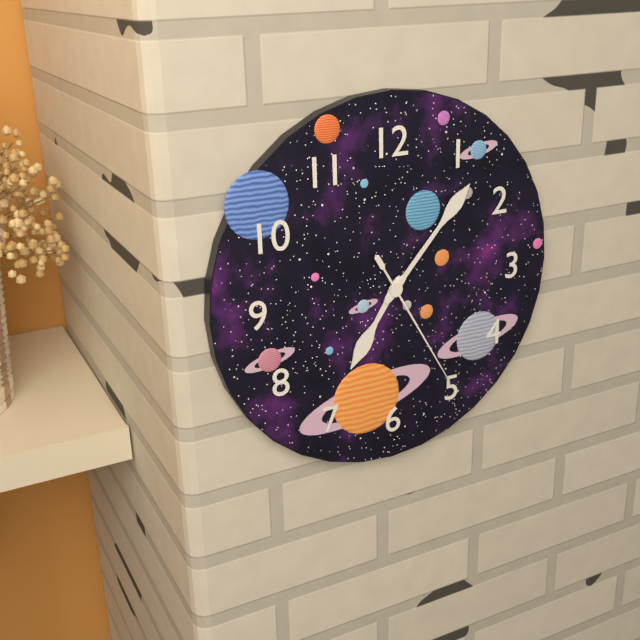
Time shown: {"hour": 7, "minute": 7, "second": 25}
